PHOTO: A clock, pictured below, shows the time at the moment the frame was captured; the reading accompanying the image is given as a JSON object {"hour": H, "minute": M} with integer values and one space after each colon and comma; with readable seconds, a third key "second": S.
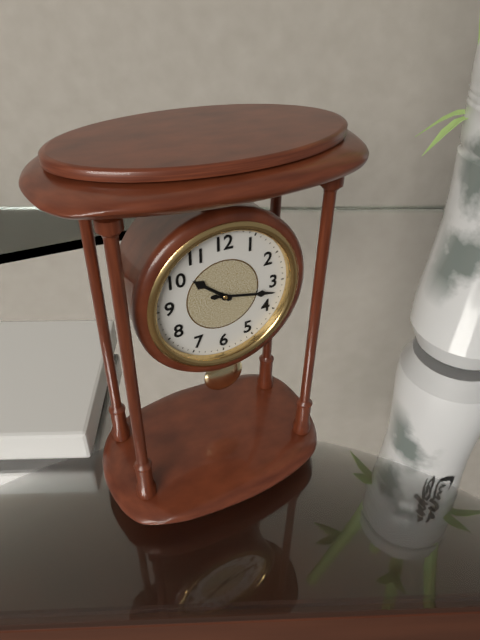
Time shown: {"hour": 10, "minute": 17}
